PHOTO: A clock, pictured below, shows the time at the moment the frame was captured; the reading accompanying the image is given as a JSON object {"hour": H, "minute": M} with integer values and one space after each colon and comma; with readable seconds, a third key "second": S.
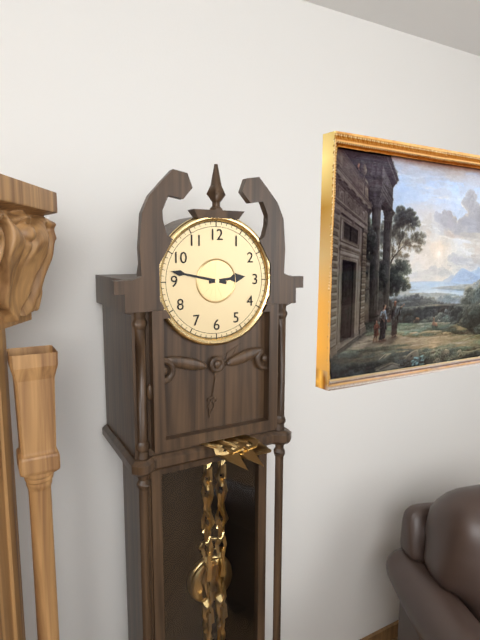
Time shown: {"hour": 2, "minute": 47}
